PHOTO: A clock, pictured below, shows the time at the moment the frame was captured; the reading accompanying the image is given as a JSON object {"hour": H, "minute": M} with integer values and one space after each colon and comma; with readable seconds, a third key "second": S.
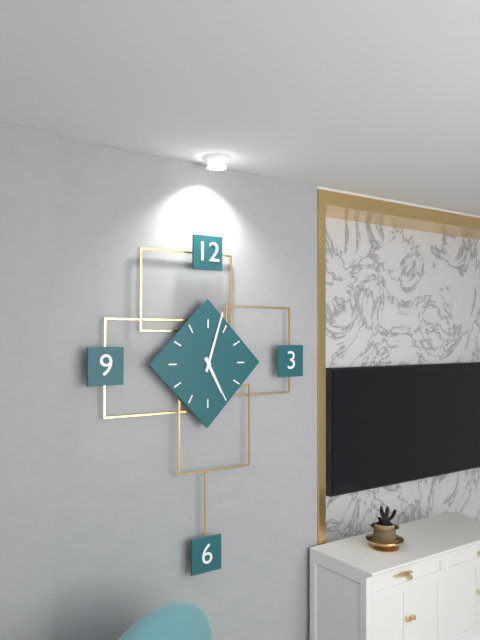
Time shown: {"hour": 5, "minute": 3}
